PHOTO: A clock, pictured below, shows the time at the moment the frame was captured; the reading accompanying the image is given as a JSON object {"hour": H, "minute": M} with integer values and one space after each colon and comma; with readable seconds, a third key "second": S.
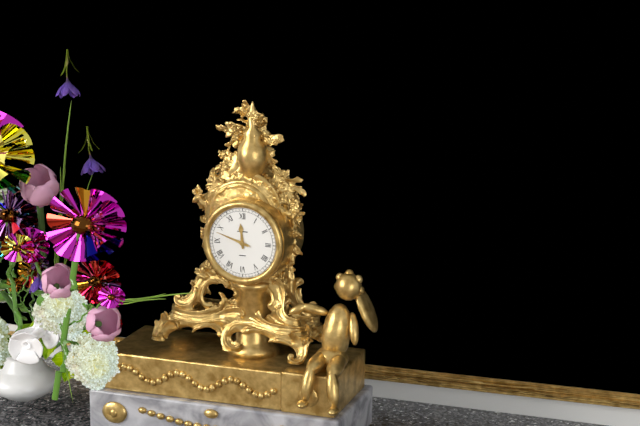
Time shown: {"hour": 11, "minute": 48}
